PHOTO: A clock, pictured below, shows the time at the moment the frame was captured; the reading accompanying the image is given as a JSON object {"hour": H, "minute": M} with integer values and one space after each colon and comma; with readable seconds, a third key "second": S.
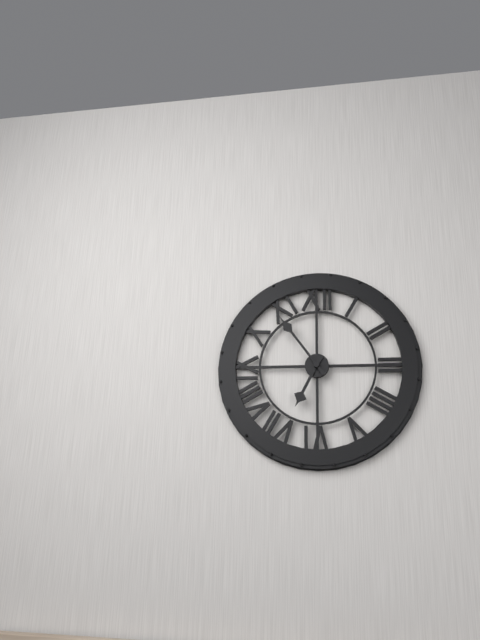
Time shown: {"hour": 6, "minute": 54}
